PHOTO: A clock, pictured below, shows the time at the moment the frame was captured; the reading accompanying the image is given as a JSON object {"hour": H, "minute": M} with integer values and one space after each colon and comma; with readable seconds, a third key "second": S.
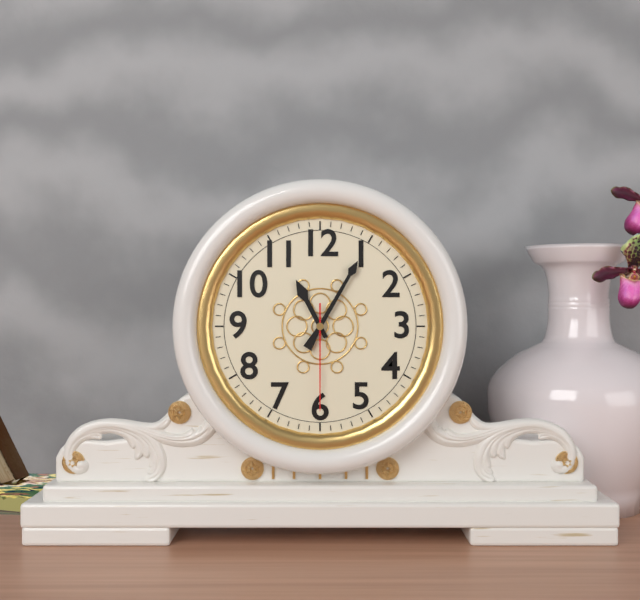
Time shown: {"hour": 11, "minute": 5, "second": 30}
